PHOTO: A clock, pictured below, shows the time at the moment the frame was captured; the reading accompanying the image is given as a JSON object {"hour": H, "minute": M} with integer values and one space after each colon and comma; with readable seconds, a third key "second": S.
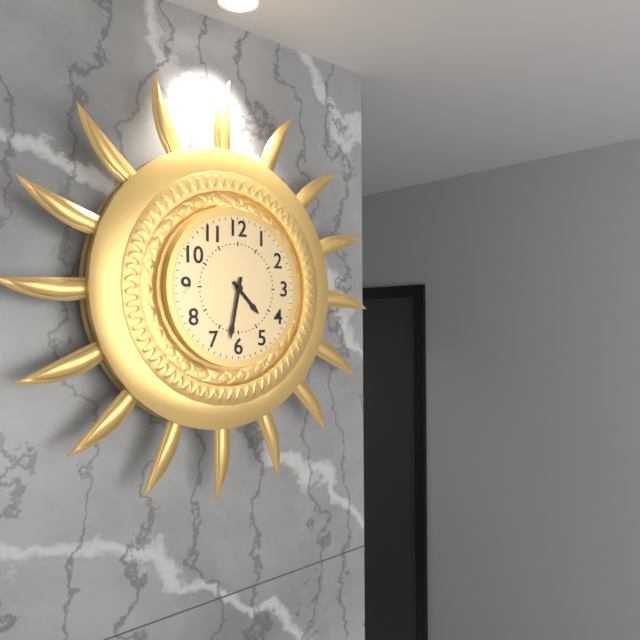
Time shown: {"hour": 4, "minute": 32}
